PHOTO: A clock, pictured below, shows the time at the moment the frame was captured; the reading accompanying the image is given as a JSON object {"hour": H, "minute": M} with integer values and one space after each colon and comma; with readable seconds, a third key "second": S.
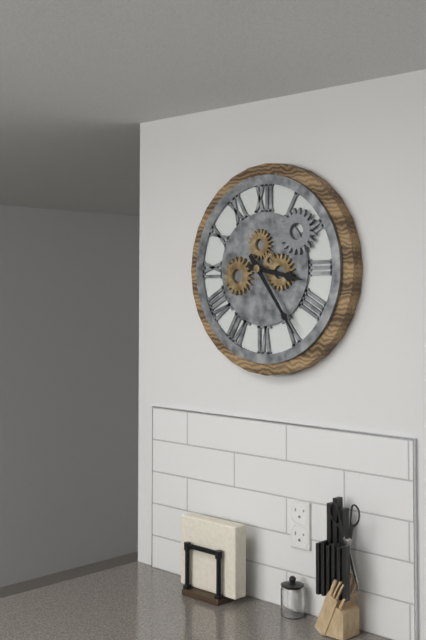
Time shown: {"hour": 3, "minute": 24}
